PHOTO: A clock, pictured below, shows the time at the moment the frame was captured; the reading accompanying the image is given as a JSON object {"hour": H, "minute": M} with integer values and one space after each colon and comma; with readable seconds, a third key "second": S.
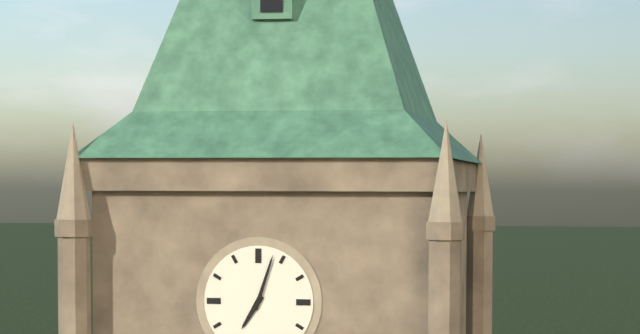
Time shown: {"hour": 7, "minute": 3}
